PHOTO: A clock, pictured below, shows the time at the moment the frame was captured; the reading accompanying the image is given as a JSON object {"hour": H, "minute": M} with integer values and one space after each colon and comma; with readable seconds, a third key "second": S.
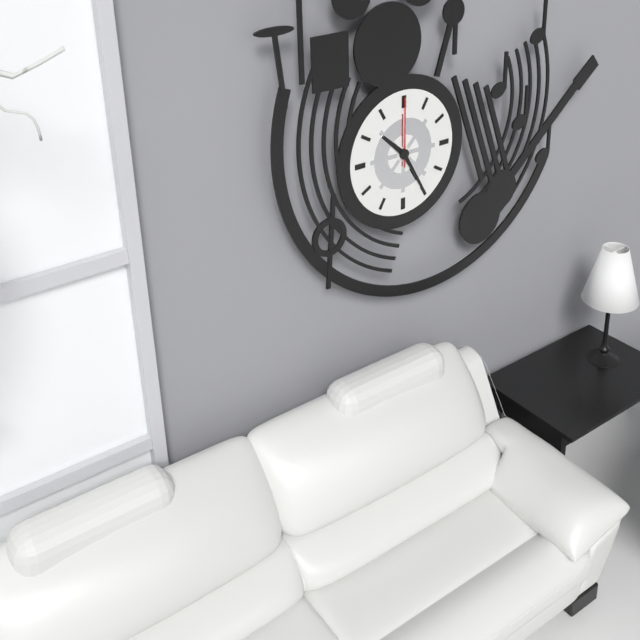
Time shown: {"hour": 10, "minute": 25, "second": 0}
